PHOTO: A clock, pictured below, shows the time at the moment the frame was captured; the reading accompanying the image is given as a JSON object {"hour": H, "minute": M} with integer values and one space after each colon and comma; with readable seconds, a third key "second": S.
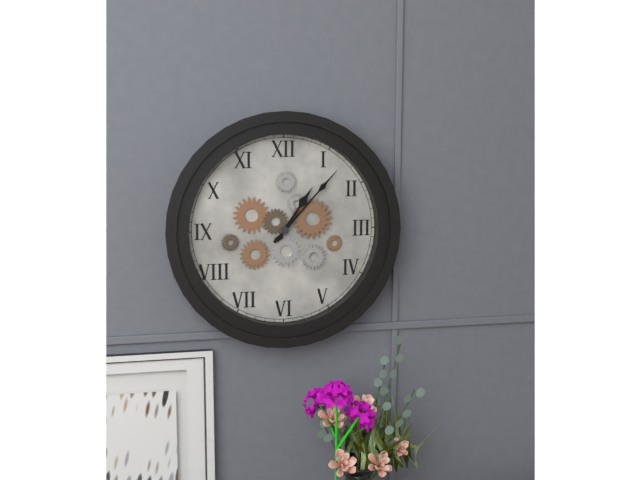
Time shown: {"hour": 1, "minute": 7}
